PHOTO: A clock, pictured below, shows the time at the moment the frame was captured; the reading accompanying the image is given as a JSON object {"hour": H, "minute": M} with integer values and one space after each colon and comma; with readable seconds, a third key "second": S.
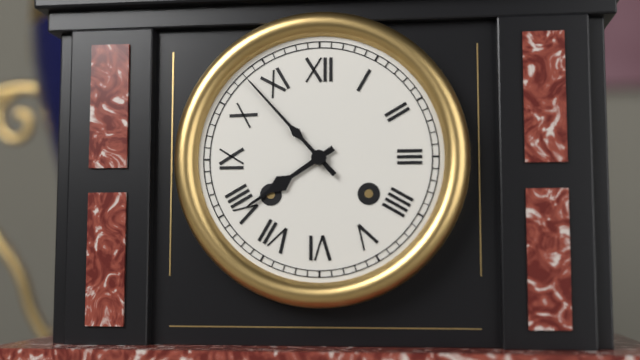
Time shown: {"hour": 7, "minute": 53}
